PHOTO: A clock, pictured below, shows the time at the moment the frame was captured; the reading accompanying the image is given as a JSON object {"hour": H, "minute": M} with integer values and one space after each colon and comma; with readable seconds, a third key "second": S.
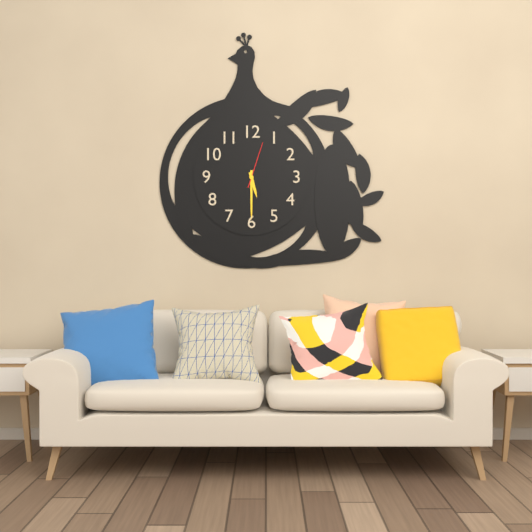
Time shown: {"hour": 5, "minute": 30}
